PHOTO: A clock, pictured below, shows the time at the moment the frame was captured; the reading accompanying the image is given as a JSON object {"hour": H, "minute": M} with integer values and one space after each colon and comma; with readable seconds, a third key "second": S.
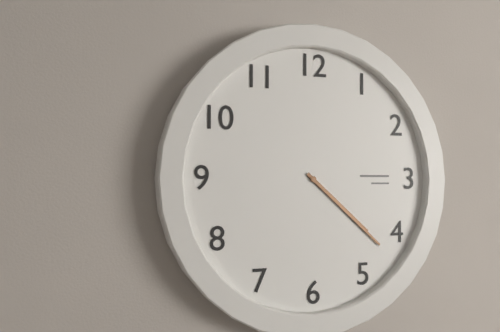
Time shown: {"hour": 4, "minute": 22}
